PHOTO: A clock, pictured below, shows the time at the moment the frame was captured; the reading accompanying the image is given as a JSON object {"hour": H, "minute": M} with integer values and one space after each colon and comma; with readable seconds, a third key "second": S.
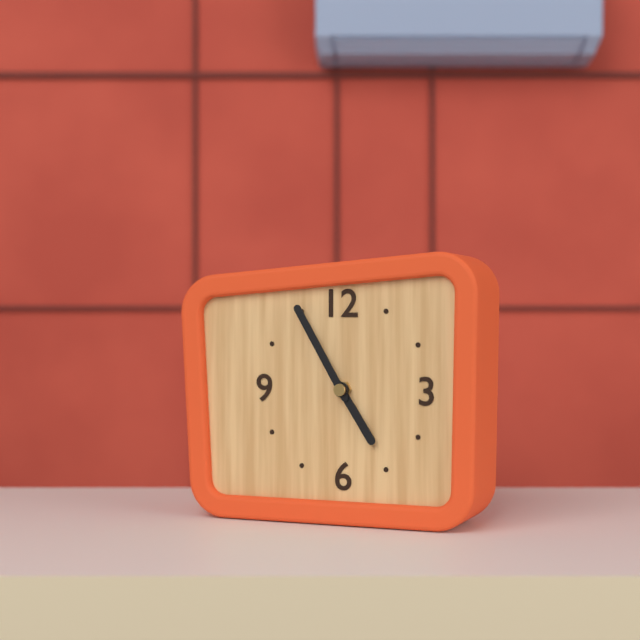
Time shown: {"hour": 4, "minute": 55}
